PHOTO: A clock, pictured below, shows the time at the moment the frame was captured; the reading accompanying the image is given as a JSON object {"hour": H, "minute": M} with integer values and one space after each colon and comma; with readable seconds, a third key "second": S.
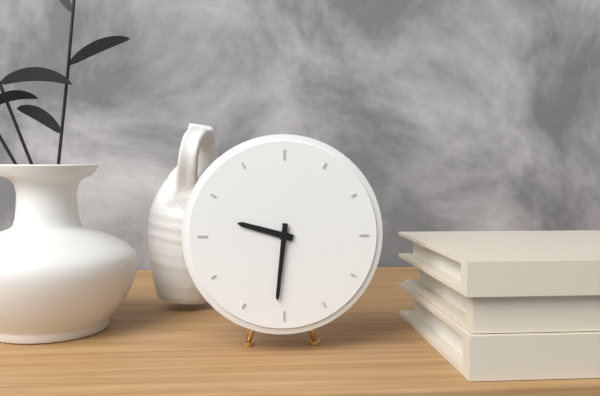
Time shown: {"hour": 9, "minute": 31}
